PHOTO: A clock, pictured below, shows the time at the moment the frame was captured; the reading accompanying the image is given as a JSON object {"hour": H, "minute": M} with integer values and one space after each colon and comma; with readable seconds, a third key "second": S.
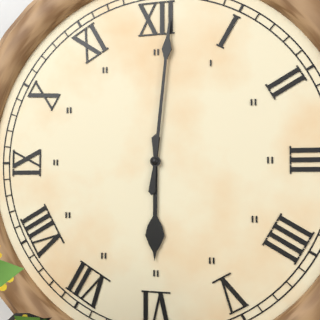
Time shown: {"hour": 6, "minute": 1}
